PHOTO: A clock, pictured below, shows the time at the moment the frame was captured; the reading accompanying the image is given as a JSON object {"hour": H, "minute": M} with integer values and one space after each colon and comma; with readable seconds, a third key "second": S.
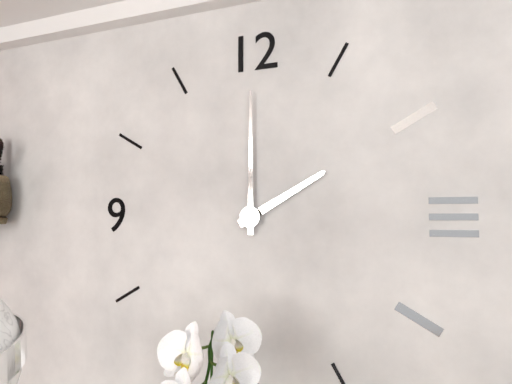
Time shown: {"hour": 2, "minute": 0}
